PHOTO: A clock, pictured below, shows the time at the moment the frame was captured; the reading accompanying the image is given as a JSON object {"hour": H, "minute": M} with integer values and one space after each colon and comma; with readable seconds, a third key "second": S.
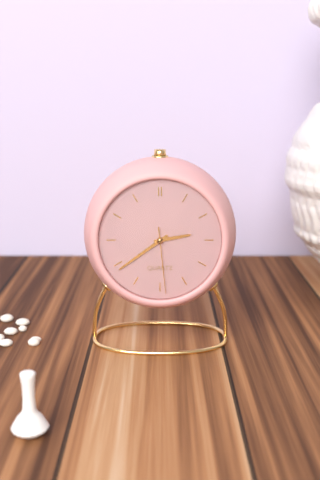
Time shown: {"hour": 2, "minute": 39, "second": 29}
